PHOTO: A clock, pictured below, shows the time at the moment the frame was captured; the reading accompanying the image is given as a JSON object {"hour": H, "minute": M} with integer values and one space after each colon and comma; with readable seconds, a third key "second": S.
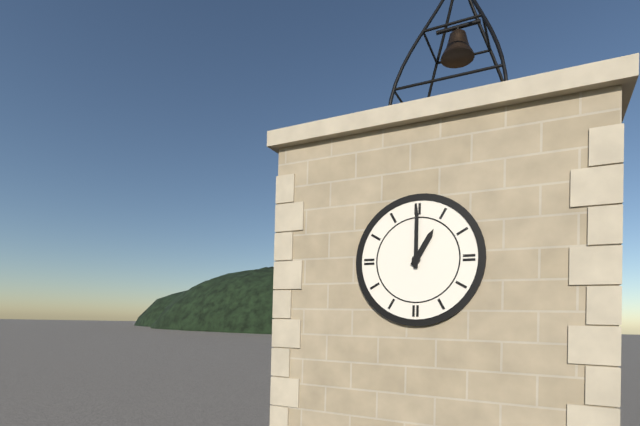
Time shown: {"hour": 1, "minute": 0}
